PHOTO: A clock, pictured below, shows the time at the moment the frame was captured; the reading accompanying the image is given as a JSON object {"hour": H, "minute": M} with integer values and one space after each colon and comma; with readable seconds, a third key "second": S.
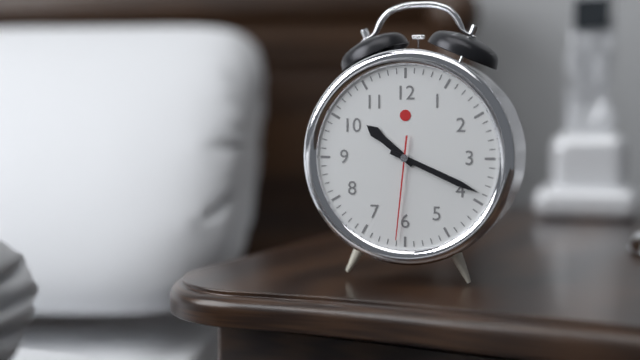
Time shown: {"hour": 10, "minute": 19, "second": 31}
